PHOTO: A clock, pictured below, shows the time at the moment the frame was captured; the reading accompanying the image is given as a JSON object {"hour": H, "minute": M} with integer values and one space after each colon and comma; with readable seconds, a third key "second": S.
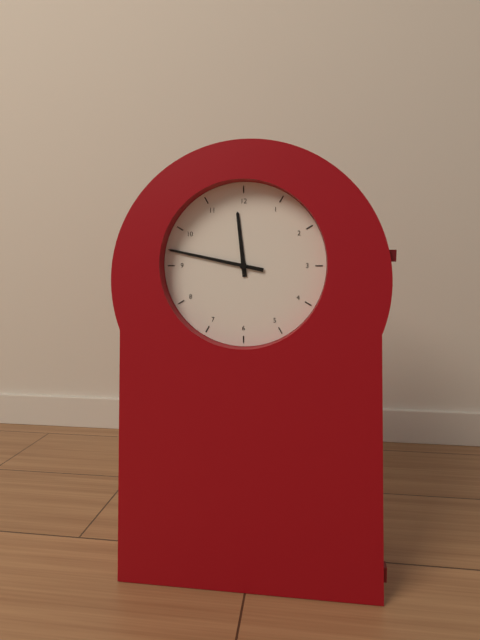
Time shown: {"hour": 11, "minute": 47}
